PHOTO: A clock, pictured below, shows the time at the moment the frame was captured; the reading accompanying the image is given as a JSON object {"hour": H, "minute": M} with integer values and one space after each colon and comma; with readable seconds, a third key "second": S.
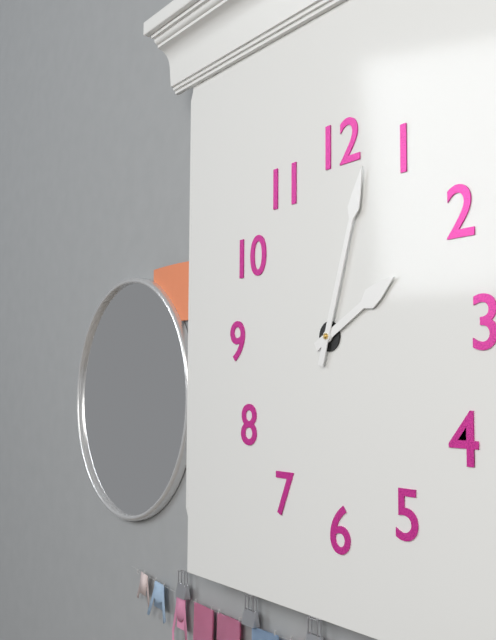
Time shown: {"hour": 2, "minute": 3}
